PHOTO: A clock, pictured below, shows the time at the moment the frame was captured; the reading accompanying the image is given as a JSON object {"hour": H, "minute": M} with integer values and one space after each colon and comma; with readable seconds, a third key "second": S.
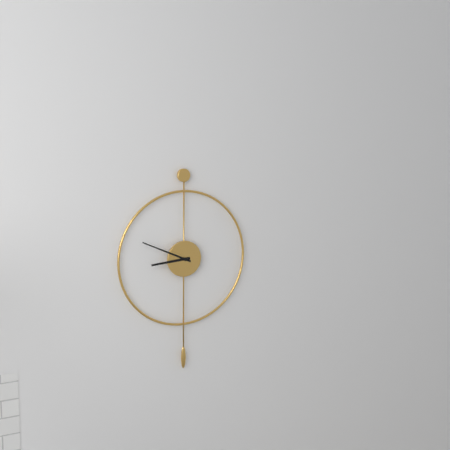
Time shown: {"hour": 8, "minute": 49}
